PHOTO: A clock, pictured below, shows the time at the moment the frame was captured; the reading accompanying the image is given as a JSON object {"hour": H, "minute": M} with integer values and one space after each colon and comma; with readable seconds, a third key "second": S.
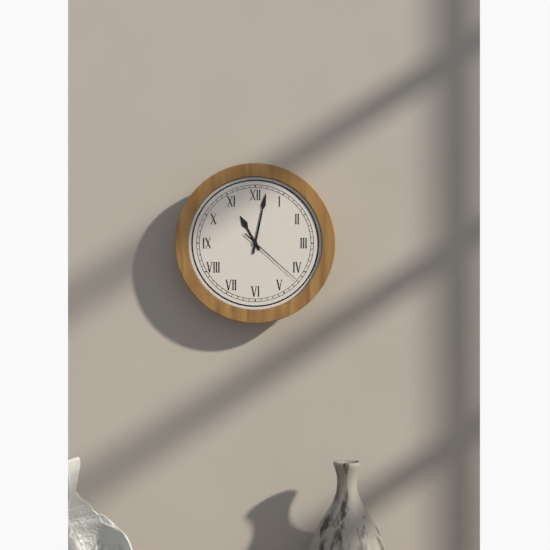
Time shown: {"hour": 11, "minute": 2, "second": 22}
